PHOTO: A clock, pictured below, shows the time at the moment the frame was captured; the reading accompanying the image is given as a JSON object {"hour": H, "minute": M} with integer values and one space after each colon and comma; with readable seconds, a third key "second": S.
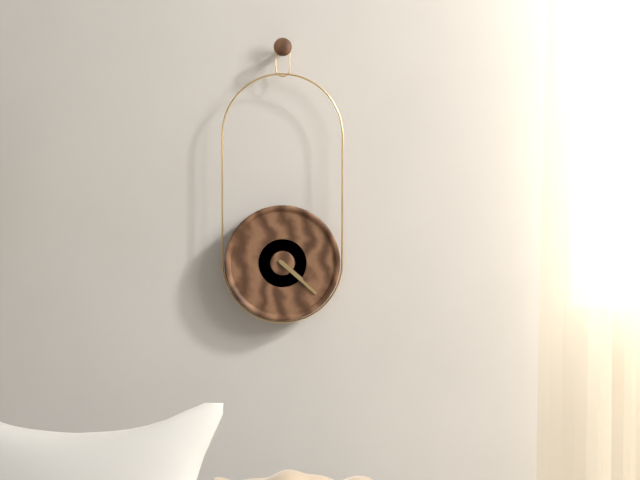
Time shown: {"hour": 4, "minute": 22}
